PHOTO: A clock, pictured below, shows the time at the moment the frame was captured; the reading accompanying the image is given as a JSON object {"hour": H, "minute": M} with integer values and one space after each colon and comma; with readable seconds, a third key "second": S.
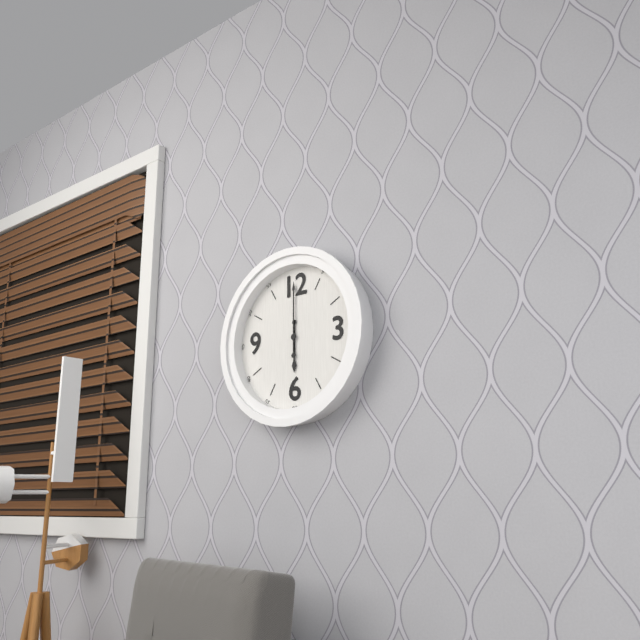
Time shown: {"hour": 6, "minute": 0}
